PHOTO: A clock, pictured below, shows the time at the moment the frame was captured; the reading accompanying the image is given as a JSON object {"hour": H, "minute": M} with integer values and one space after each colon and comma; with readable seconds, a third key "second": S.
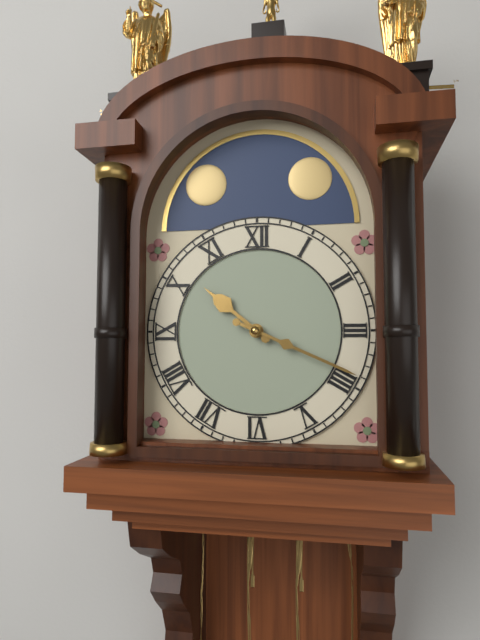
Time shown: {"hour": 10, "minute": 19}
